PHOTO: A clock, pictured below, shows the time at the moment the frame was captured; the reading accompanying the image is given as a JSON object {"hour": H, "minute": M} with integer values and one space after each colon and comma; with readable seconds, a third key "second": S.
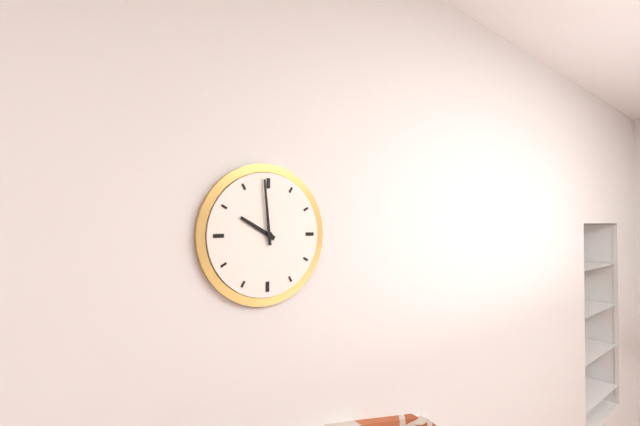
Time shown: {"hour": 9, "minute": 59}
